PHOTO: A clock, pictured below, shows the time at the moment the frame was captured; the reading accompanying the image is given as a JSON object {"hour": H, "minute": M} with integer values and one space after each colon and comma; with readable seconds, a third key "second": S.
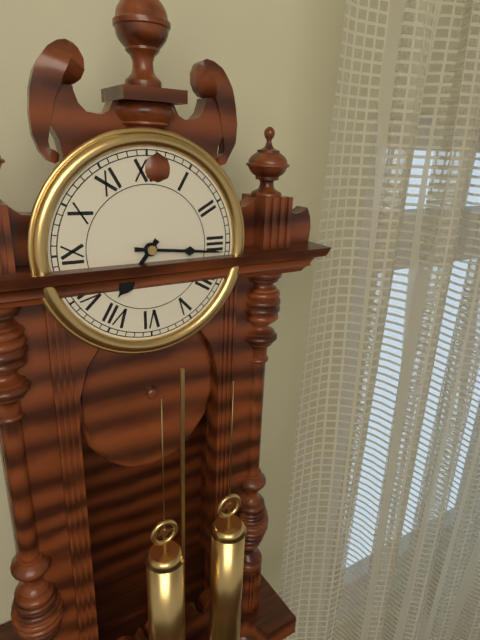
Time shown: {"hour": 7, "minute": 16}
